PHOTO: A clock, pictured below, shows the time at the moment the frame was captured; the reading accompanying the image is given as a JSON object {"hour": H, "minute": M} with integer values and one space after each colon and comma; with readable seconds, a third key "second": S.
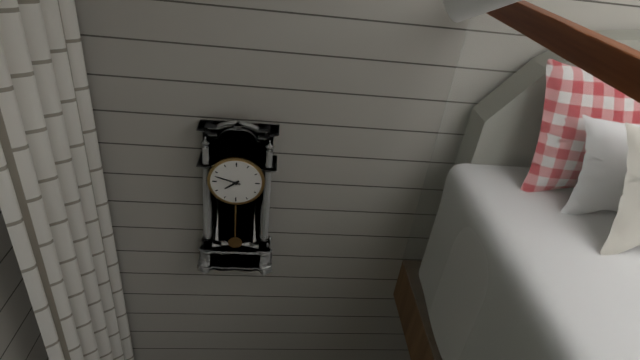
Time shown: {"hour": 7, "minute": 48}
